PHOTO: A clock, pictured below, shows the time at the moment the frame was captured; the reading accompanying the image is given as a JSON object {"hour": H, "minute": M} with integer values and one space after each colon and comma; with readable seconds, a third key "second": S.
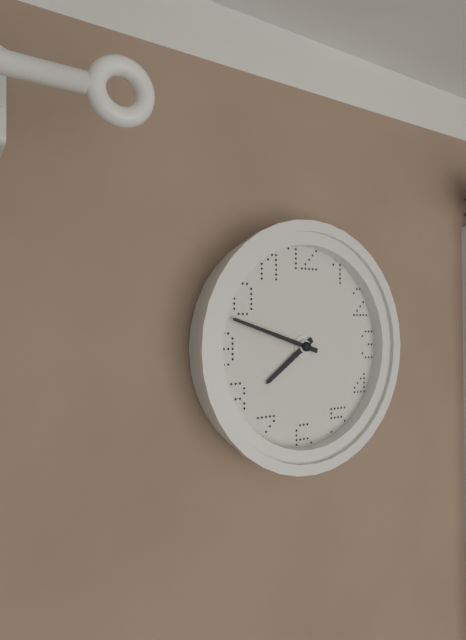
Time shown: {"hour": 7, "minute": 48}
